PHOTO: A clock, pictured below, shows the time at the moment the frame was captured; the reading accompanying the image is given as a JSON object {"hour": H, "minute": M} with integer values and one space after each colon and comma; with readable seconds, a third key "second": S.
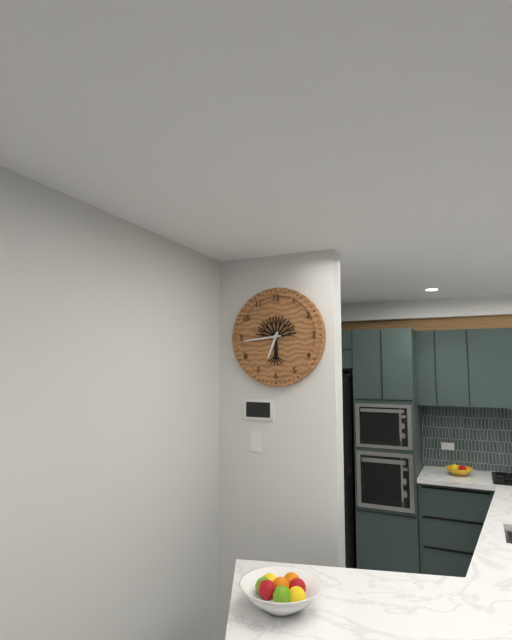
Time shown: {"hour": 6, "minute": 44}
